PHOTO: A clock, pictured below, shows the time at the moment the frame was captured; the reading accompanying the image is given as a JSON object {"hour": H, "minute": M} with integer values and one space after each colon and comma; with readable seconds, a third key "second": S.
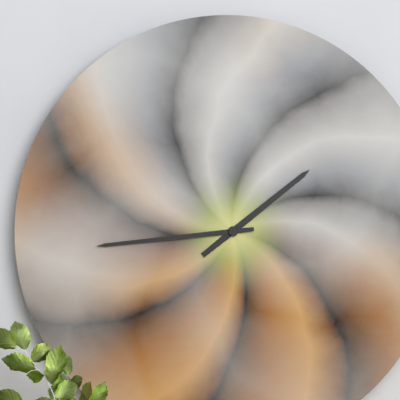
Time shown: {"hour": 1, "minute": 44}
